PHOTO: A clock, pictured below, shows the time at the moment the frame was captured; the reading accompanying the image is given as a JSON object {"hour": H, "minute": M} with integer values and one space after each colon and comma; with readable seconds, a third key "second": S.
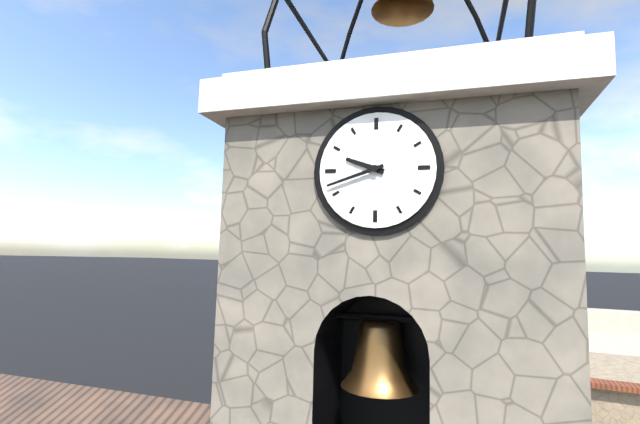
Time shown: {"hour": 9, "minute": 42}
